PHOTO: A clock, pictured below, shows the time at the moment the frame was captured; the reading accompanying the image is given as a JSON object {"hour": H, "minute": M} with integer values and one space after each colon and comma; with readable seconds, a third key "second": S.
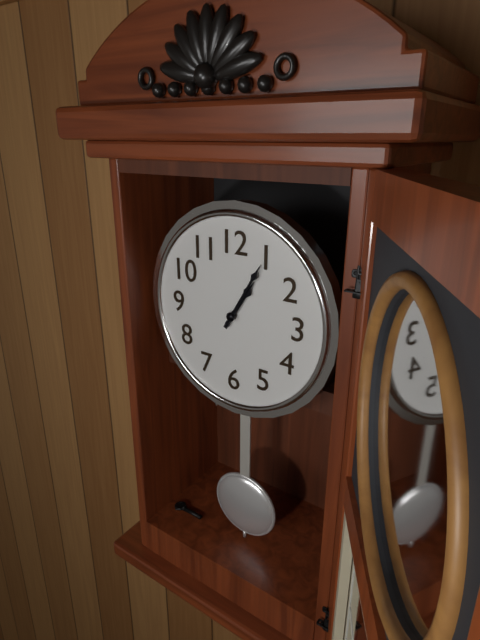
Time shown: {"hour": 1, "minute": 5}
